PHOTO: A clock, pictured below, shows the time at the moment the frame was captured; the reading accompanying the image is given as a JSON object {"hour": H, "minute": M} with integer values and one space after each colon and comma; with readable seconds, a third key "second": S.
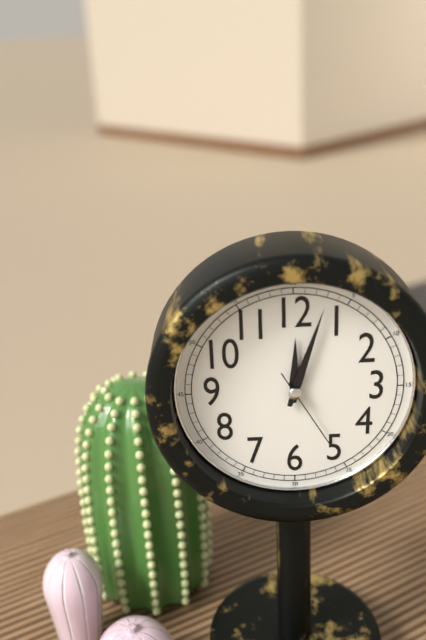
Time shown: {"hour": 12, "minute": 3, "second": 25}
